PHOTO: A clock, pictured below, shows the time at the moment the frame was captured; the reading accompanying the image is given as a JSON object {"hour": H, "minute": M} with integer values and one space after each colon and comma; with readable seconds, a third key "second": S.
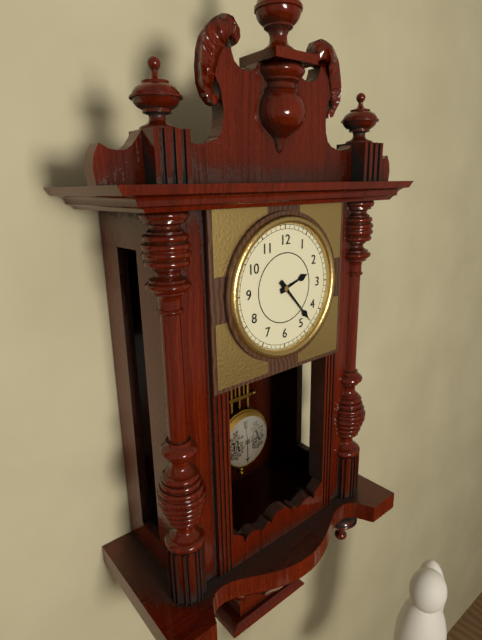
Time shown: {"hour": 2, "minute": 23}
